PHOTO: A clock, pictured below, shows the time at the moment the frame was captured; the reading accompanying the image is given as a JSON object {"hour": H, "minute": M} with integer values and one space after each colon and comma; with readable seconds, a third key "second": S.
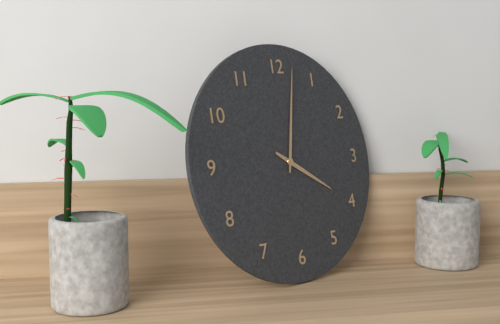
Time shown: {"hour": 4, "minute": 2}
